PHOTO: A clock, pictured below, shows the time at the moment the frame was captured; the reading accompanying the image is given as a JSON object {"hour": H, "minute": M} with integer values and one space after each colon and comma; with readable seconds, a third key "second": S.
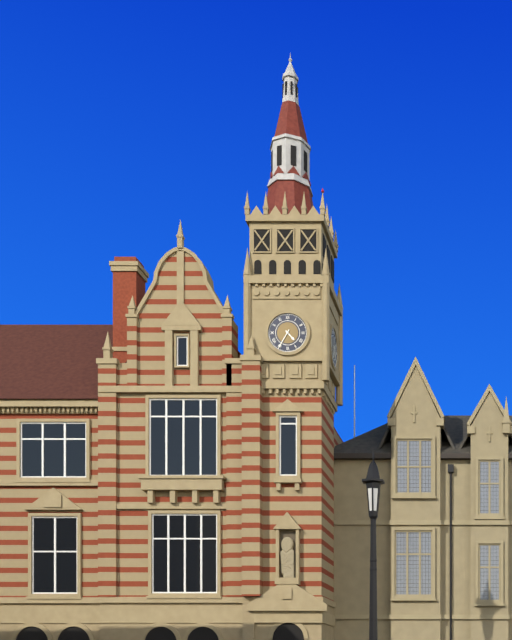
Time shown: {"hour": 4, "minute": 35}
